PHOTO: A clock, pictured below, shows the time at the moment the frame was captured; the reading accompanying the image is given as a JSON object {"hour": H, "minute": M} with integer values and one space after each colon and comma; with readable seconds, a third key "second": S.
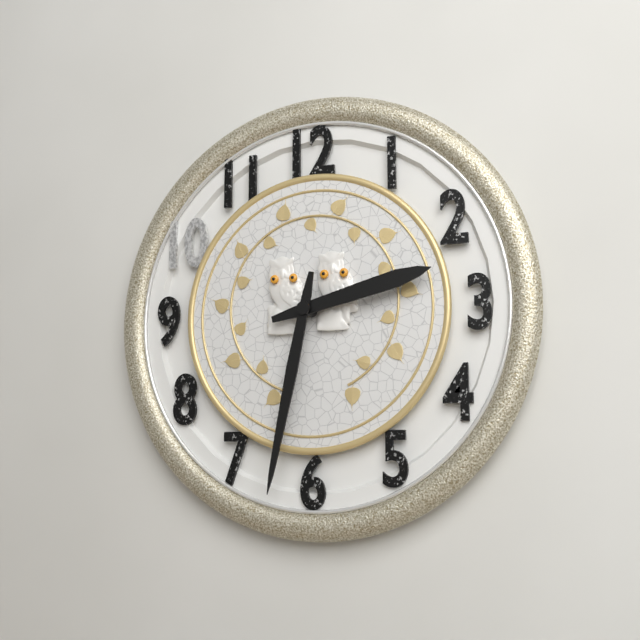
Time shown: {"hour": 2, "minute": 32}
